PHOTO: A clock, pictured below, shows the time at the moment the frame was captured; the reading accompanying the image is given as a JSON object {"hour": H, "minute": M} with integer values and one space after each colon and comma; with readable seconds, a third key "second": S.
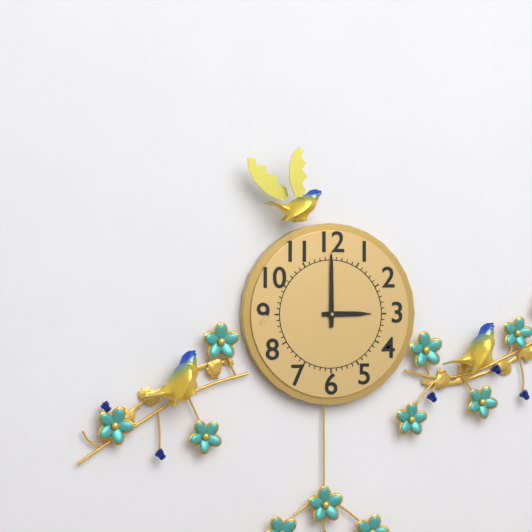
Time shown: {"hour": 3, "minute": 0}
